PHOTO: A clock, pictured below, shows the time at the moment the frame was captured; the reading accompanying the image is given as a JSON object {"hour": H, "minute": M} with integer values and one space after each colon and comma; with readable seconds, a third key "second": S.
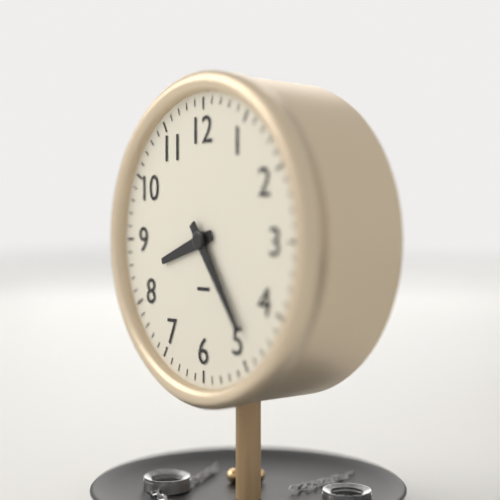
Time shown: {"hour": 8, "minute": 24}
